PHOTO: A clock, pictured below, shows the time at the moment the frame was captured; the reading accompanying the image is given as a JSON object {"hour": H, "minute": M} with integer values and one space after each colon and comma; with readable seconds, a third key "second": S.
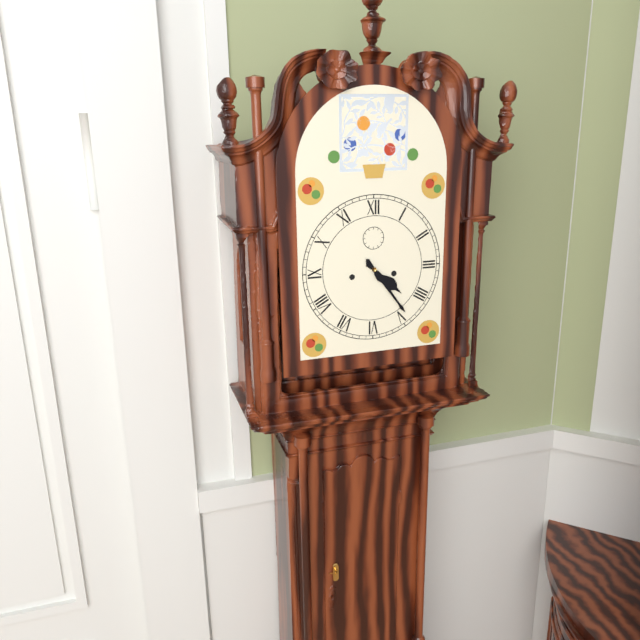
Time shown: {"hour": 4, "minute": 24}
